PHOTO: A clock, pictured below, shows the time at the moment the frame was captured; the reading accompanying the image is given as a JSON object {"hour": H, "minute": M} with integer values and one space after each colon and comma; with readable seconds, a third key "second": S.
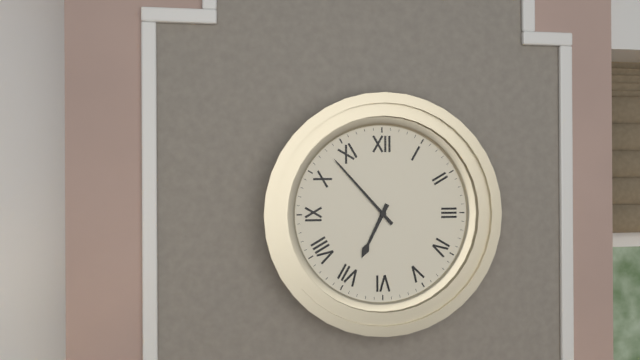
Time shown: {"hour": 6, "minute": 53}
